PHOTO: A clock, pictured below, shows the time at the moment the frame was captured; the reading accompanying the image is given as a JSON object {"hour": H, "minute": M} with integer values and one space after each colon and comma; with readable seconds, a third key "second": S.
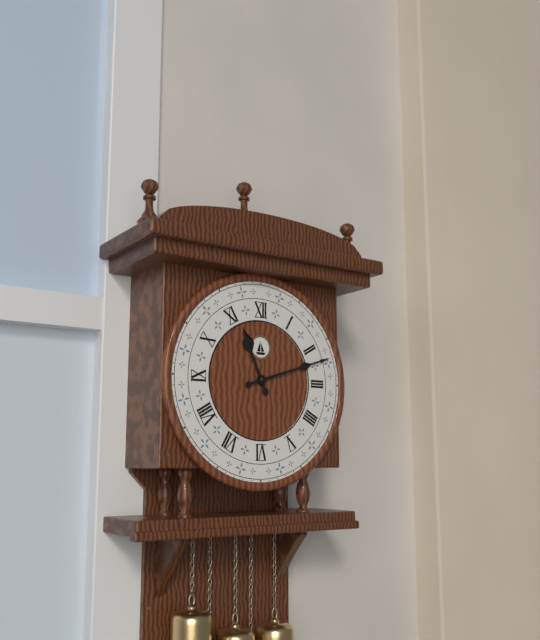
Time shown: {"hour": 11, "minute": 12}
